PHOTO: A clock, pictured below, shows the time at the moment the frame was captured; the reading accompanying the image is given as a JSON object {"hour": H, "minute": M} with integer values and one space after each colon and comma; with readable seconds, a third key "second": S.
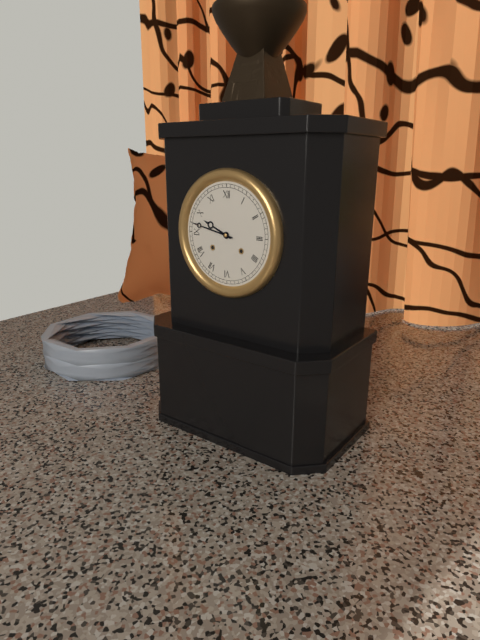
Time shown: {"hour": 9, "minute": 47}
